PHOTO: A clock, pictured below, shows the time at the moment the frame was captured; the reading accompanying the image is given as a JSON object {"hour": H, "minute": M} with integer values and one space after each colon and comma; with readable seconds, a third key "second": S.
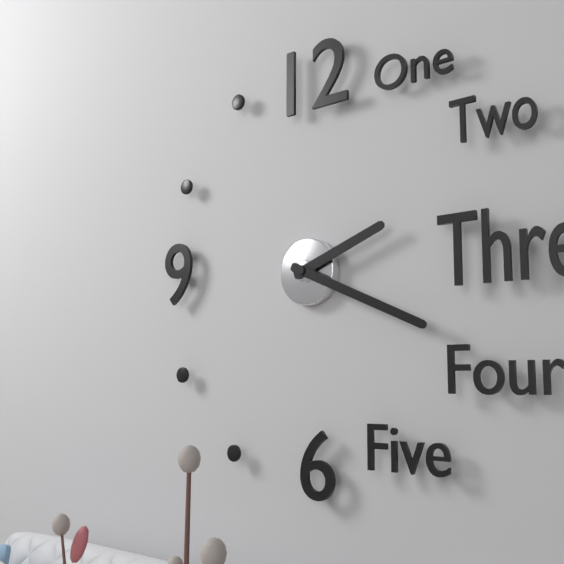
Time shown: {"hour": 2, "minute": 19}
